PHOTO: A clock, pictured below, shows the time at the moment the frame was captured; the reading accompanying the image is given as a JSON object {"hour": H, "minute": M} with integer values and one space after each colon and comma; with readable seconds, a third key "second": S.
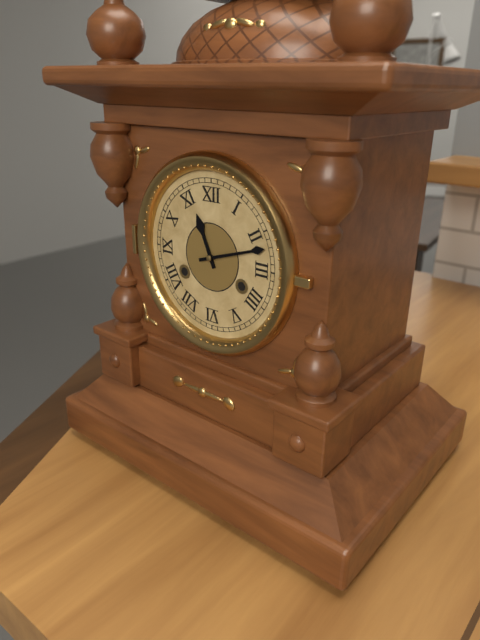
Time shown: {"hour": 11, "minute": 12}
